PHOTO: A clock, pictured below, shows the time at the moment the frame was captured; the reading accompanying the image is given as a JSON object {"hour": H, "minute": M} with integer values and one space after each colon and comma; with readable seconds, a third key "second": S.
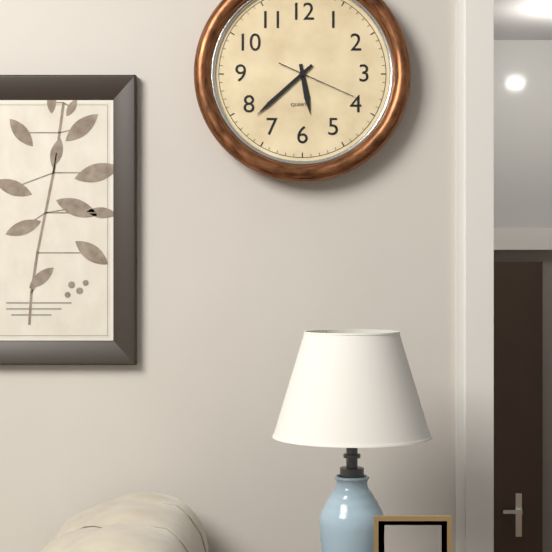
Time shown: {"hour": 5, "minute": 38, "second": 19}
